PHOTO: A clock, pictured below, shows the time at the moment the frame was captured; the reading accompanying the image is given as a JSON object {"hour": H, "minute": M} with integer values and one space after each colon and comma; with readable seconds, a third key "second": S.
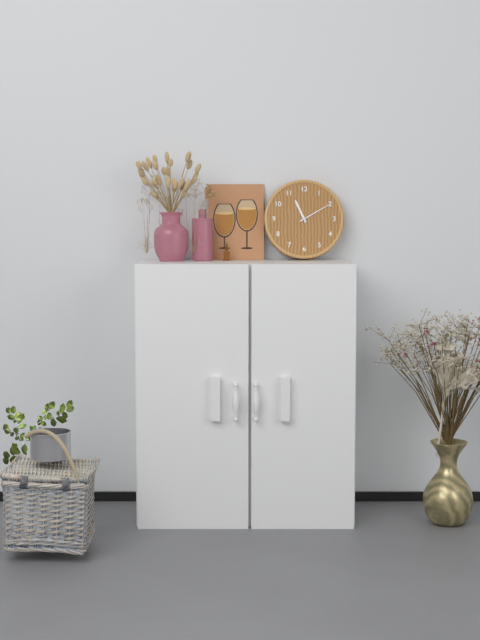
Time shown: {"hour": 11, "minute": 10}
